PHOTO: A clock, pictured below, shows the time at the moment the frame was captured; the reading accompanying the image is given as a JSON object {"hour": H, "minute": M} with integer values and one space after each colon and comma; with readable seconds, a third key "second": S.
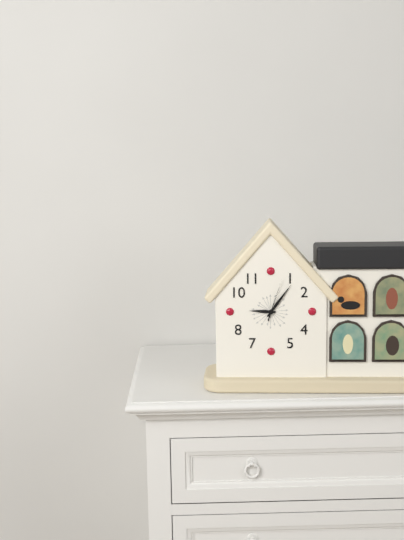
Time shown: {"hour": 9, "minute": 6}
